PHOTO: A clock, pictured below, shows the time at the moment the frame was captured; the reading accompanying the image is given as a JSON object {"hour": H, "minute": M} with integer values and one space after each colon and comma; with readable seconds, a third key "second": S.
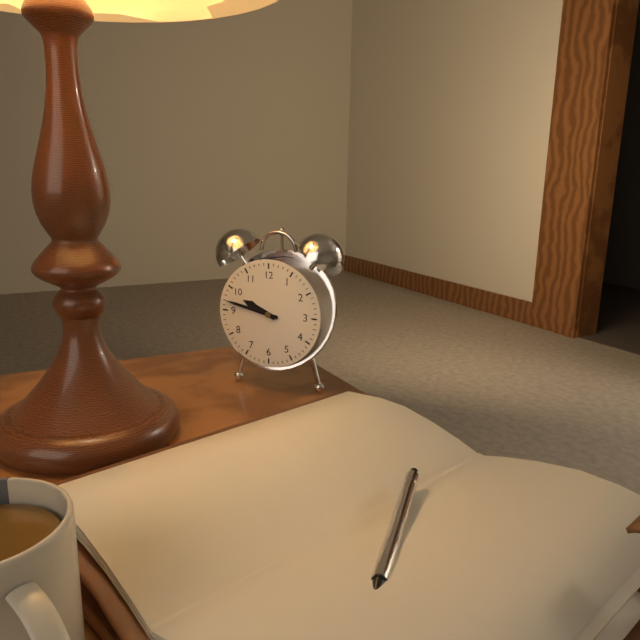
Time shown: {"hour": 9, "minute": 47}
